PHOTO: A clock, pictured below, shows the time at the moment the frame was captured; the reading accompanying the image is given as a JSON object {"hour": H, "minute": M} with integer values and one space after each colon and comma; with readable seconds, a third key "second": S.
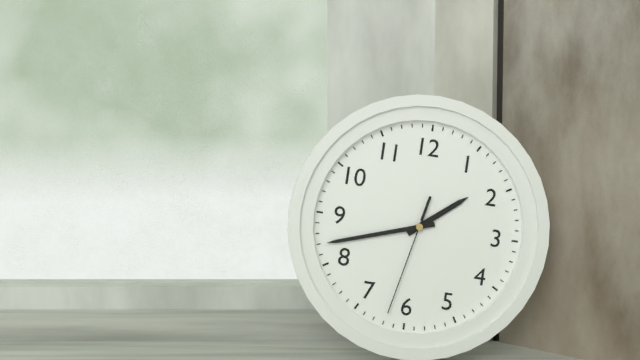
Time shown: {"hour": 1, "minute": 42, "second": 32}
